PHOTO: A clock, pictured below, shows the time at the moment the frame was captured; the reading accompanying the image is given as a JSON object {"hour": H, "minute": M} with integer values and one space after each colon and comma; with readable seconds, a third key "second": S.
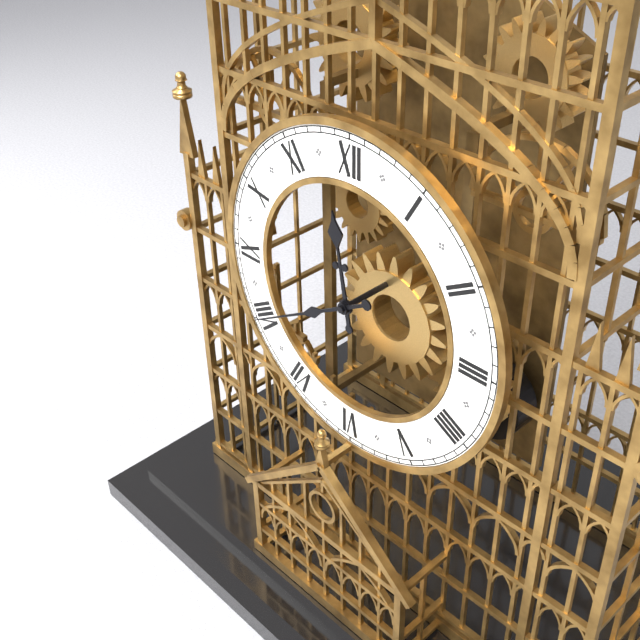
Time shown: {"hour": 11, "minute": 40}
